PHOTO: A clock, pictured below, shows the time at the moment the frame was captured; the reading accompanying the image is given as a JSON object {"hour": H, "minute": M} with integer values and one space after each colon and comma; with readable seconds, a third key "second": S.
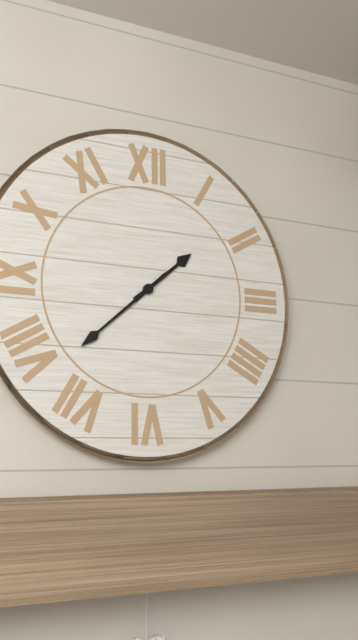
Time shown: {"hour": 1, "minute": 38}
